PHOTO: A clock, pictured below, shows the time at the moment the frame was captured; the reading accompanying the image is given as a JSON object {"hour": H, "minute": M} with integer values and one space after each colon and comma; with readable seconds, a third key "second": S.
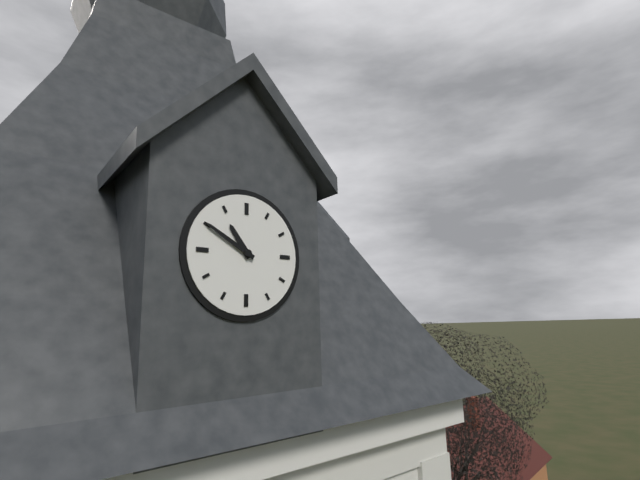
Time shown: {"hour": 10, "minute": 50}
